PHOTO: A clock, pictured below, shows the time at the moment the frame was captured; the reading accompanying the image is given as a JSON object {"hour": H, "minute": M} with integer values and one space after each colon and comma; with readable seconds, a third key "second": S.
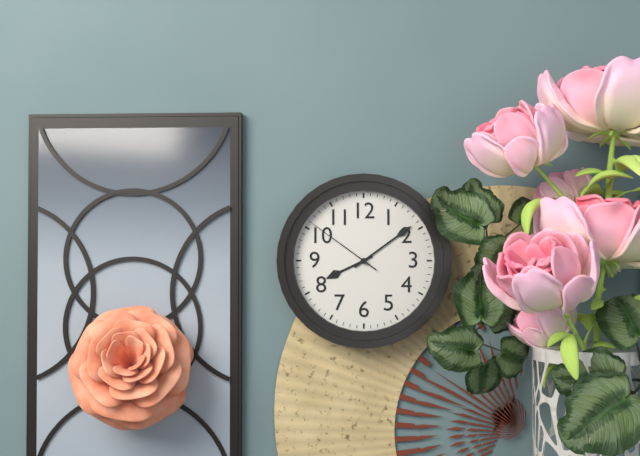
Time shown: {"hour": 8, "minute": 9, "second": 51}
